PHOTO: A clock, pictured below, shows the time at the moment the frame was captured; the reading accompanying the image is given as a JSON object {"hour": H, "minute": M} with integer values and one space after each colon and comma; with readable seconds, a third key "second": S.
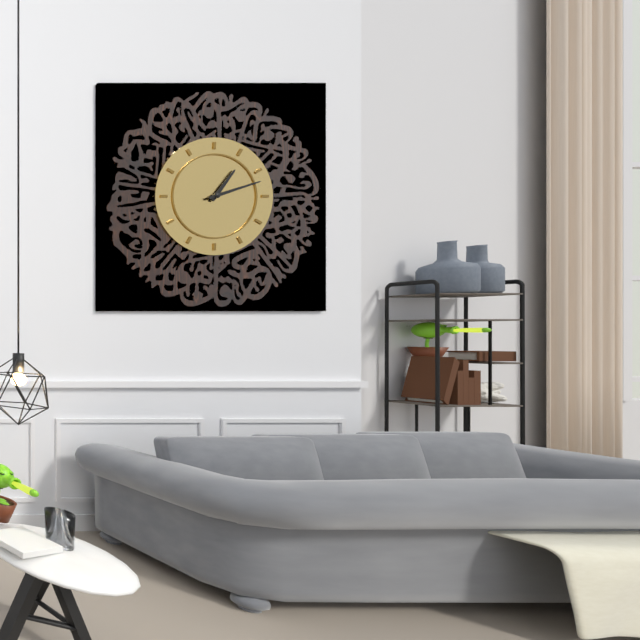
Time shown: {"hour": 1, "minute": 12}
